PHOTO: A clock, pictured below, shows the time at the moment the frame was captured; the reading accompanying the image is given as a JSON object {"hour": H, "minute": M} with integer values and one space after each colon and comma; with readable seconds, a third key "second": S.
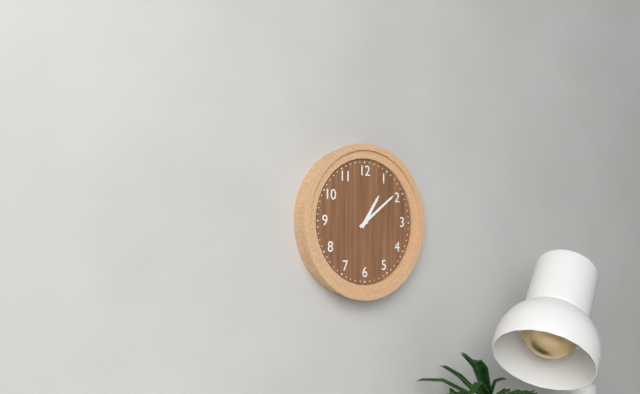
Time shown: {"hour": 1, "minute": 9}
